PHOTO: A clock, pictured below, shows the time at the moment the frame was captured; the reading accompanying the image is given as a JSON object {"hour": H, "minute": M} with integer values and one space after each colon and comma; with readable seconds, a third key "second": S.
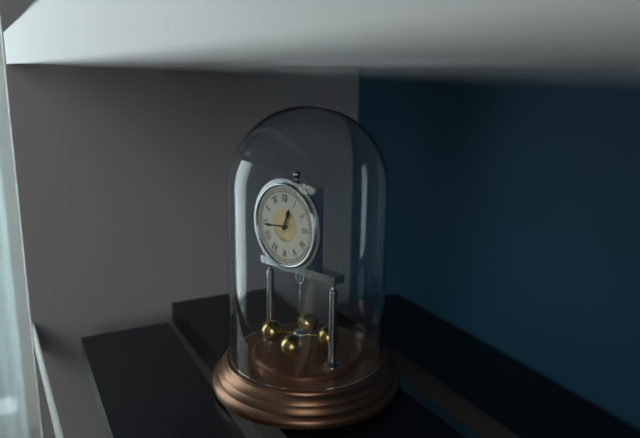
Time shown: {"hour": 12, "minute": 44}
